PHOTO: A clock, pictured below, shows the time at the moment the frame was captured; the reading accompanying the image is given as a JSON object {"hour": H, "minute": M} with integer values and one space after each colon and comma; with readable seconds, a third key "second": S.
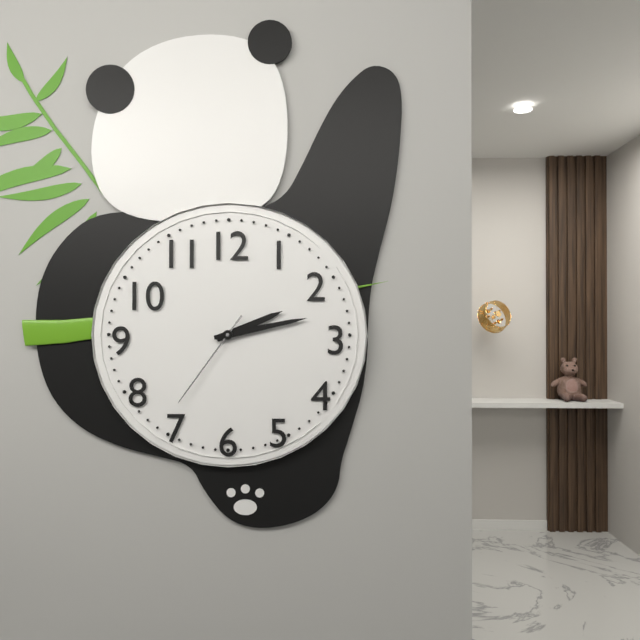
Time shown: {"hour": 2, "minute": 13, "second": 36}
